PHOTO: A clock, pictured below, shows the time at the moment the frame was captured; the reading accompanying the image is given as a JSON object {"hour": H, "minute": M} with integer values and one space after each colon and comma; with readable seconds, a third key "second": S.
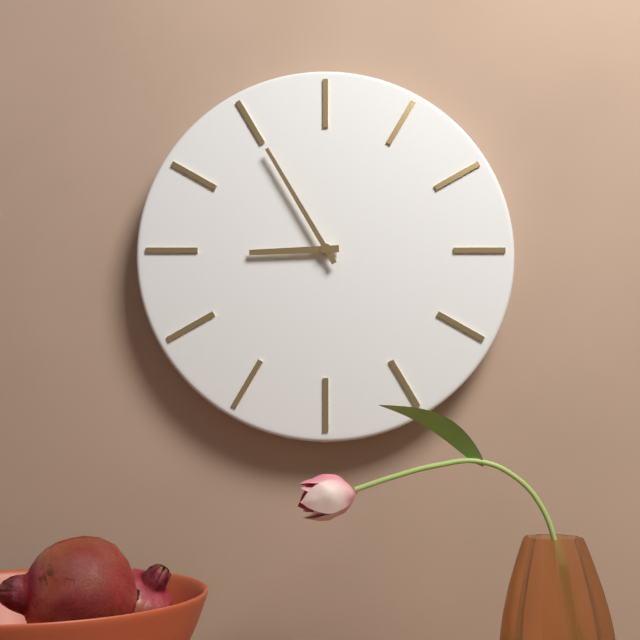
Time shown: {"hour": 8, "minute": 55}
